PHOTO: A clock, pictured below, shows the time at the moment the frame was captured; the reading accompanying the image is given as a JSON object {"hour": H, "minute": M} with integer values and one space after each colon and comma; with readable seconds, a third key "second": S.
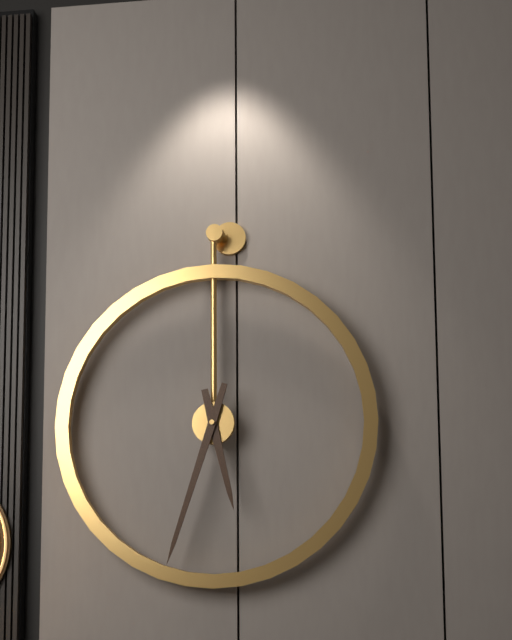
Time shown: {"hour": 5, "minute": 33}
